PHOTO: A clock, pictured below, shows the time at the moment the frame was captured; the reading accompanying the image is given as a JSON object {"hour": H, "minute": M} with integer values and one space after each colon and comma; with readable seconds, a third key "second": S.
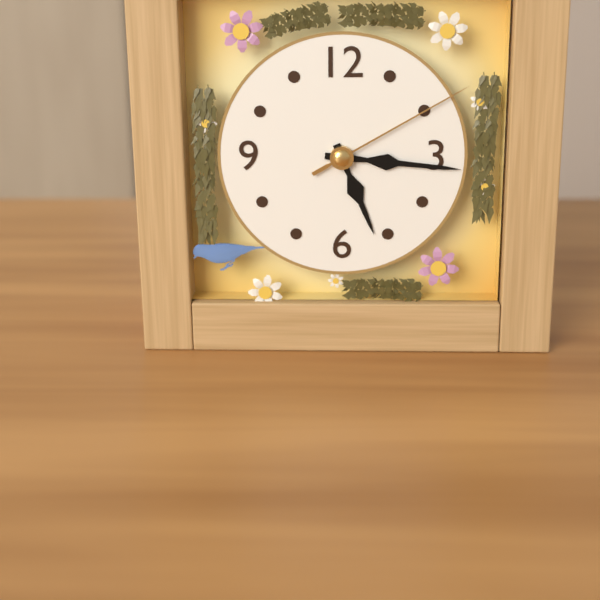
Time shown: {"hour": 5, "minute": 16, "second": 10}
